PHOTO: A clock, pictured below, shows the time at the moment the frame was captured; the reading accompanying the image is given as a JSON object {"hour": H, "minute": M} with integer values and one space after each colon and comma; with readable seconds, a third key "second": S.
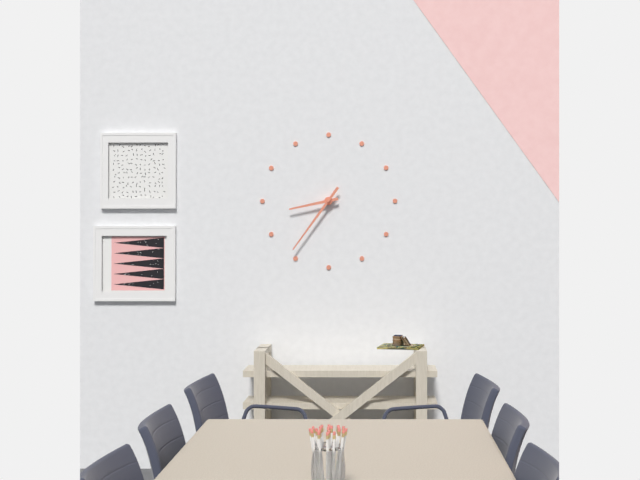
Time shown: {"hour": 8, "minute": 36}
